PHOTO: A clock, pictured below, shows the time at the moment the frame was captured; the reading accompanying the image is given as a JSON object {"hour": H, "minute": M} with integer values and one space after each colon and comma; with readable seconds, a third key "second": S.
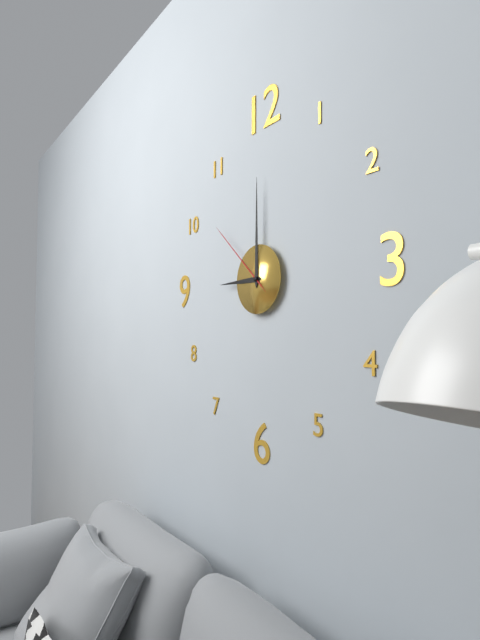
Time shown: {"hour": 9, "minute": 0, "second": 52}
